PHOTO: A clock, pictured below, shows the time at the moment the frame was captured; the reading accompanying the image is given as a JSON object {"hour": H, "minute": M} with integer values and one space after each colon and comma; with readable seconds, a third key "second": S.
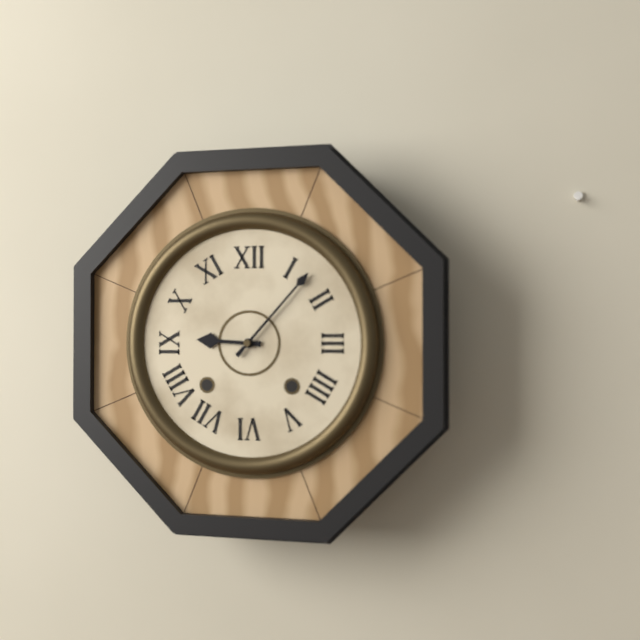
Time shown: {"hour": 9, "minute": 7}
